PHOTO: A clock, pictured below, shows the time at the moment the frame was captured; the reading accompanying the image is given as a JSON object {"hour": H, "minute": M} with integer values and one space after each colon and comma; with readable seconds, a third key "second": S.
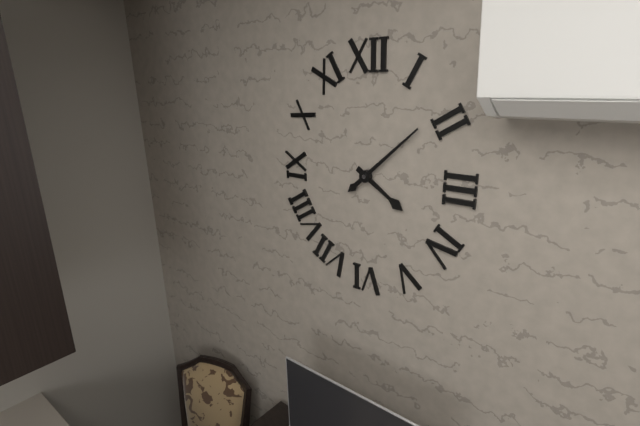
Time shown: {"hour": 4, "minute": 8}
